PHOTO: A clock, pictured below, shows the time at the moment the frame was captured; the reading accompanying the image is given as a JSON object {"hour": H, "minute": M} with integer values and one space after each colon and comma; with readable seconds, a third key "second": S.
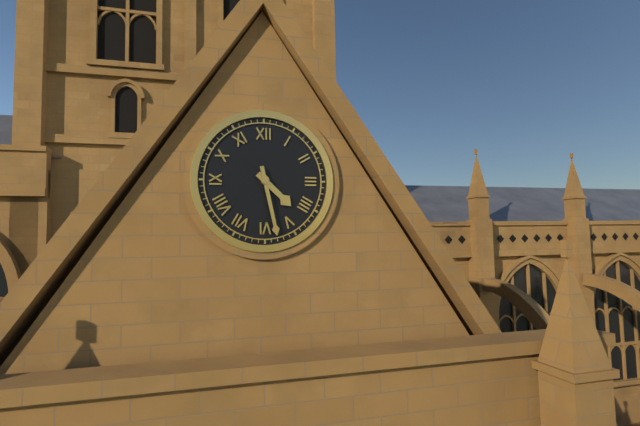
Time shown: {"hour": 4, "minute": 28}
